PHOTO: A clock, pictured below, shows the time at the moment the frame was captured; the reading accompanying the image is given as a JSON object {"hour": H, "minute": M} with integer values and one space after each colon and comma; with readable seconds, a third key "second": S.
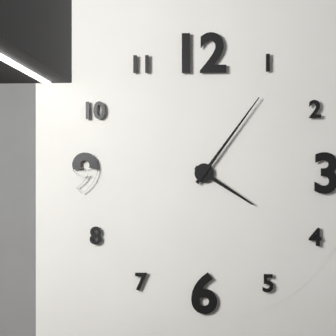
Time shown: {"hour": 4, "minute": 6}
